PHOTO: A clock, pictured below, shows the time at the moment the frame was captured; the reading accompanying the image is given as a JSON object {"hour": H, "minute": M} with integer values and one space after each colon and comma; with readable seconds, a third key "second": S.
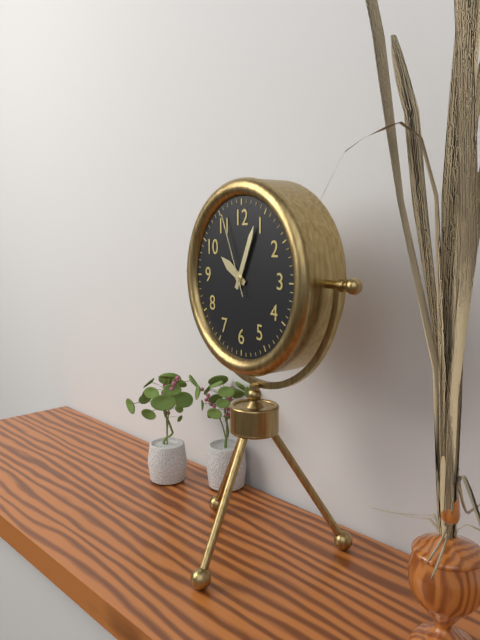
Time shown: {"hour": 10, "minute": 4, "second": 56}
